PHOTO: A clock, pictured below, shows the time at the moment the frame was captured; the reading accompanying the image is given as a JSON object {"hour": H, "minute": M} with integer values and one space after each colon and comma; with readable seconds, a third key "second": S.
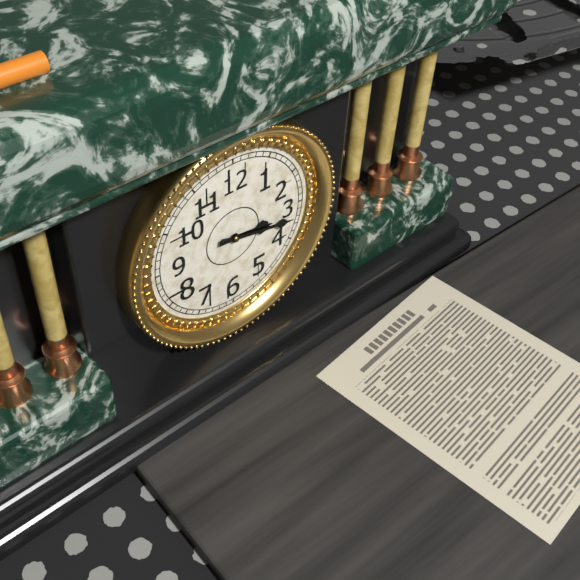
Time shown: {"hour": 3, "minute": 17}
